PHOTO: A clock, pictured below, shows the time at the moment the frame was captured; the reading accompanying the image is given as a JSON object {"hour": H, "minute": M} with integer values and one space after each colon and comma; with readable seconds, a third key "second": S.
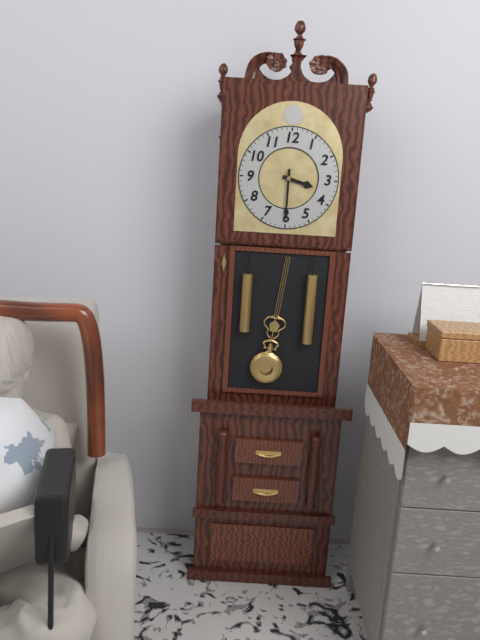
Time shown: {"hour": 3, "minute": 30}
